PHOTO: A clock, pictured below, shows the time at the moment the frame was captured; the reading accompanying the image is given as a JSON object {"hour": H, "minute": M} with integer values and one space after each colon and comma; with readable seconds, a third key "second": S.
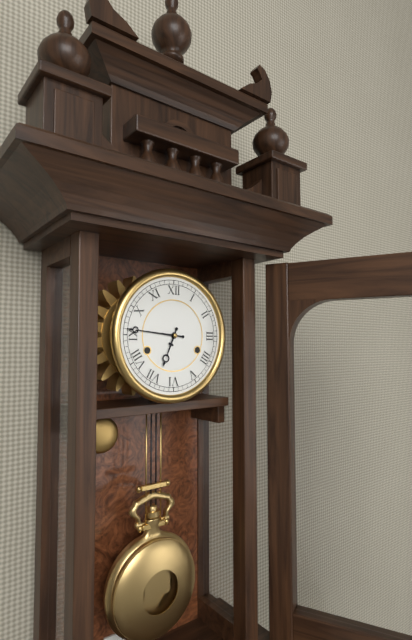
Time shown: {"hour": 6, "minute": 46}
